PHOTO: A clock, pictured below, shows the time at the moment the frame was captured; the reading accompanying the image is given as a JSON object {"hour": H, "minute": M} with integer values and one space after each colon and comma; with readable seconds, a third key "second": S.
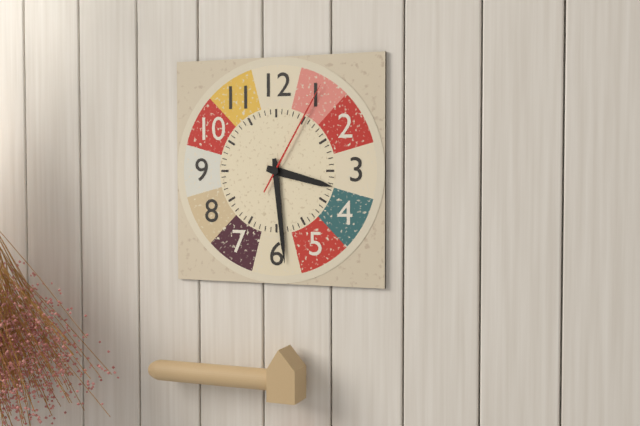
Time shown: {"hour": 3, "minute": 29, "second": 5}
